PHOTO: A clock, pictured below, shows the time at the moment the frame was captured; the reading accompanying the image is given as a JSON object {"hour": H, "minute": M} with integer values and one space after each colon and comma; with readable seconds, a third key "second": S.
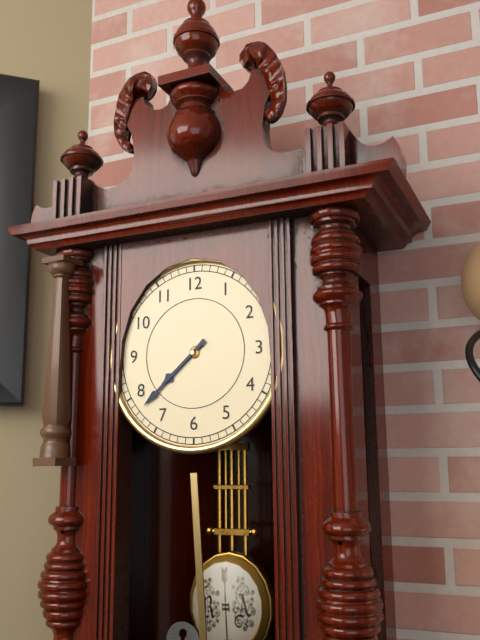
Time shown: {"hour": 7, "minute": 38}
